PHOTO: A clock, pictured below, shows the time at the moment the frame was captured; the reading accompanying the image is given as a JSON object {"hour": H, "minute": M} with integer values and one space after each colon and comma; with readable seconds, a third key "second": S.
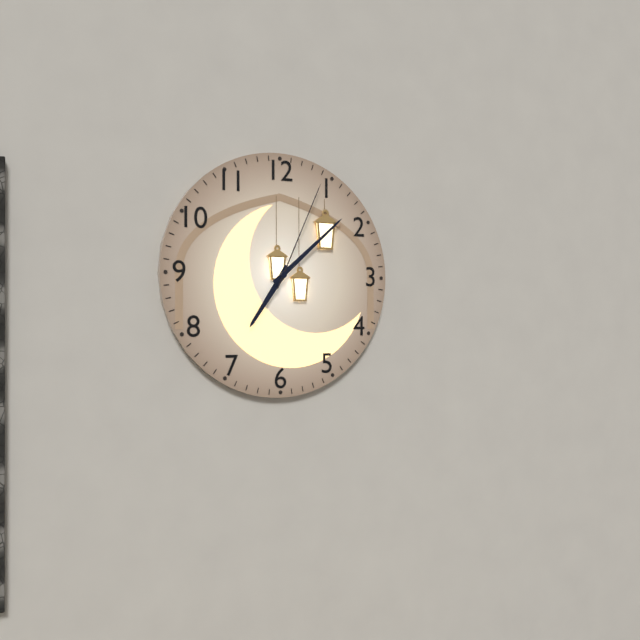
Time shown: {"hour": 7, "minute": 8, "second": 4}
